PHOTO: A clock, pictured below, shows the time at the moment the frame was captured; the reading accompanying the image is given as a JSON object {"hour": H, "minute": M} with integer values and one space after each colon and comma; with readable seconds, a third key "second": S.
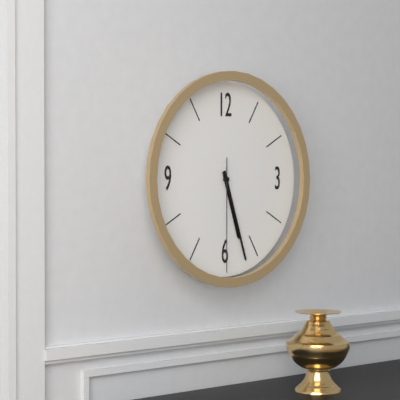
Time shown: {"hour": 5, "minute": 27, "second": 30}
